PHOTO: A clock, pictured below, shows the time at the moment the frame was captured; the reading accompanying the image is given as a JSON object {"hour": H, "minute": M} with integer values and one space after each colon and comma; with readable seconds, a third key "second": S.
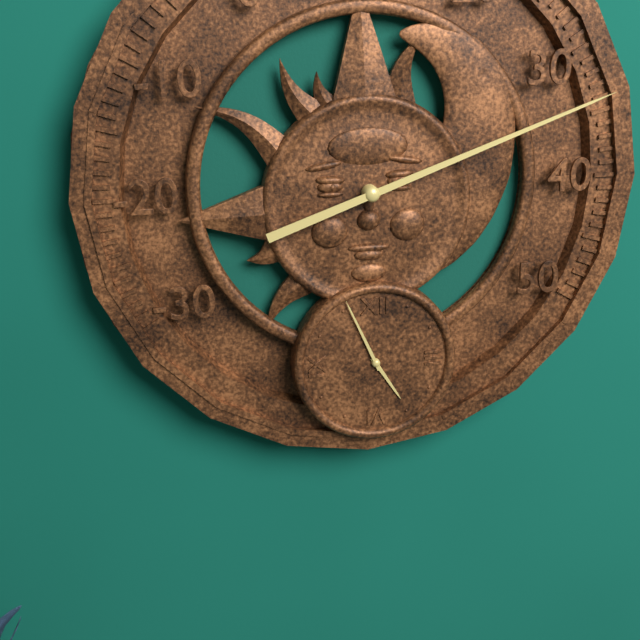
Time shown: {"hour": 4, "minute": 56}
